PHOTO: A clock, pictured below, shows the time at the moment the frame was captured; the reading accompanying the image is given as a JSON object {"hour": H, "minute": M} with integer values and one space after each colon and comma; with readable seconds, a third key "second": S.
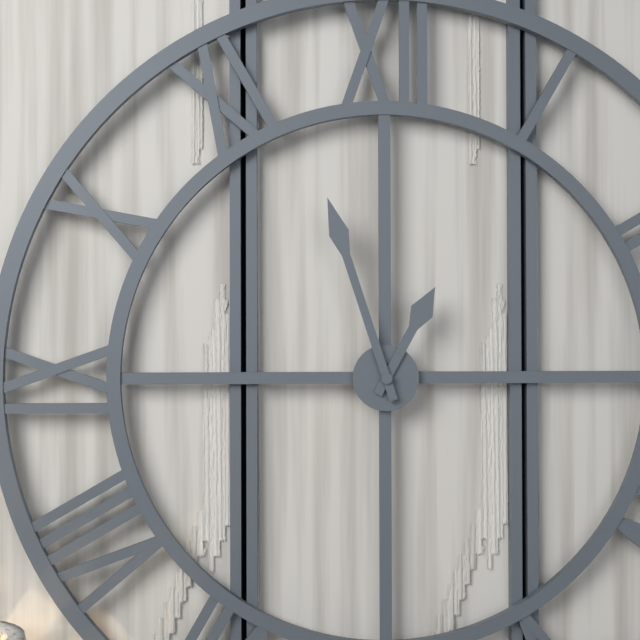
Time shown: {"hour": 12, "minute": 57}
